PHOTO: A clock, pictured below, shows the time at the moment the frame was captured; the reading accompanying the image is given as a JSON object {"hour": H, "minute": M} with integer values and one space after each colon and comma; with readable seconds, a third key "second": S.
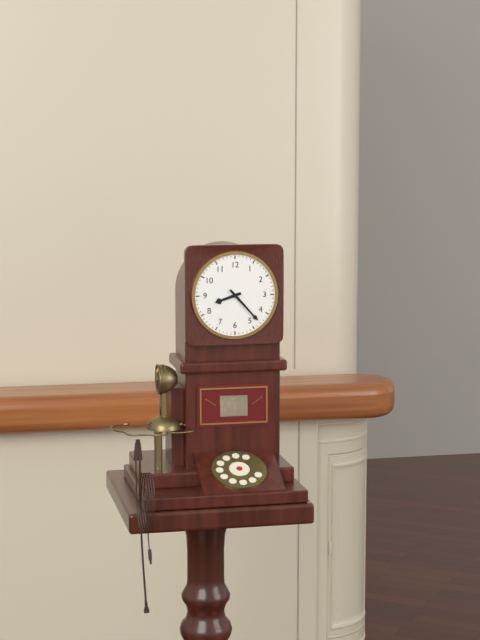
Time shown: {"hour": 8, "minute": 23}
